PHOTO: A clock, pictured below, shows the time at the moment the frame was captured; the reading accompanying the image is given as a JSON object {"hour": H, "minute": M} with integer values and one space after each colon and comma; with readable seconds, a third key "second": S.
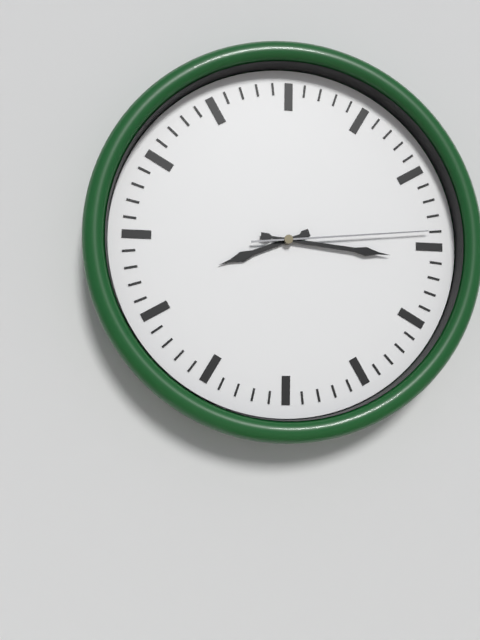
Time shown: {"hour": 8, "minute": 16, "second": 14}
